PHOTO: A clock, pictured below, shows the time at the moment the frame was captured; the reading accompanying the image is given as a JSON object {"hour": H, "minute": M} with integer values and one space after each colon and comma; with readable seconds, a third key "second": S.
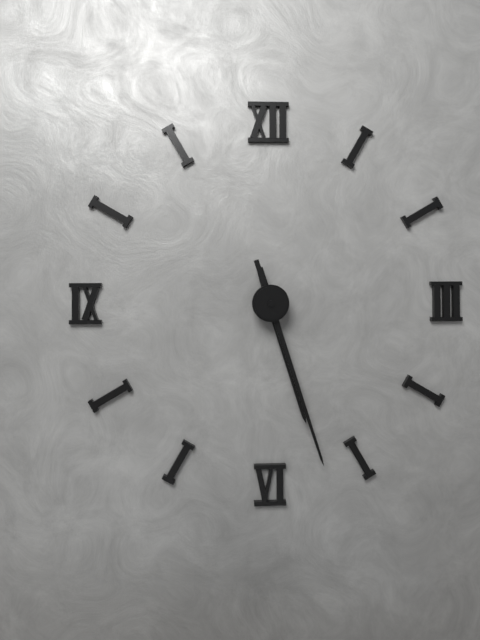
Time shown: {"hour": 5, "minute": 27}
